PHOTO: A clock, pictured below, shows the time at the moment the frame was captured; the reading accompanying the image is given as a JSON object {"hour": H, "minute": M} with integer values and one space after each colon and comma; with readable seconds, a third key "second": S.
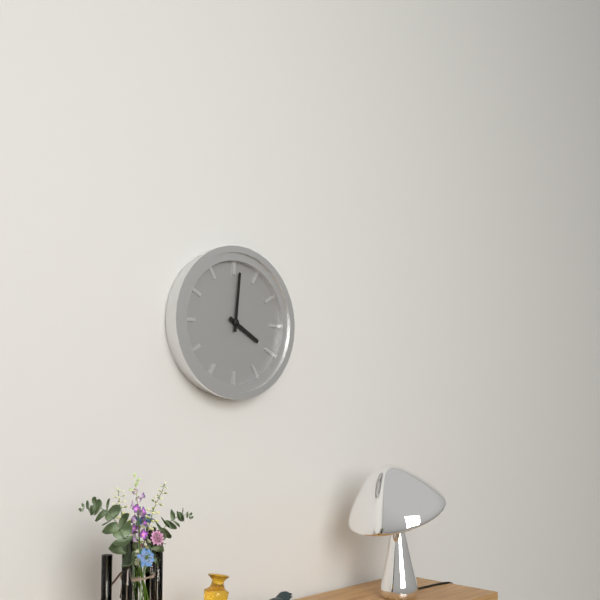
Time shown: {"hour": 4, "minute": 1}
